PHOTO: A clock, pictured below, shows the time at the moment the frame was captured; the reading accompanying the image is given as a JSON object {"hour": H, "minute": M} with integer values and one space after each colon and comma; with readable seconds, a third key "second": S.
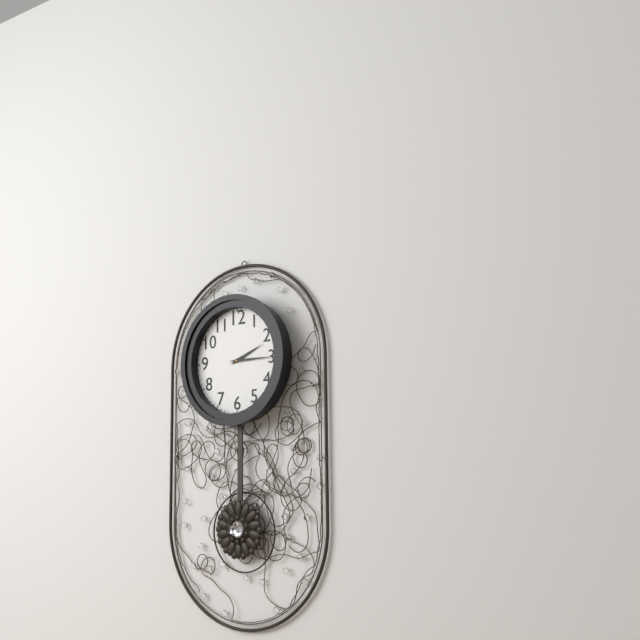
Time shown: {"hour": 2, "minute": 15}
